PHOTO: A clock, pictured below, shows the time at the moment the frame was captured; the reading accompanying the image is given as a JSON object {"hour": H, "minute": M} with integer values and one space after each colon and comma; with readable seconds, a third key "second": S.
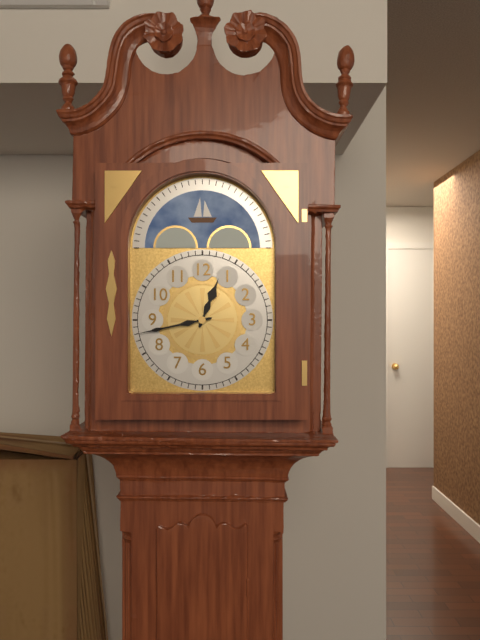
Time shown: {"hour": 12, "minute": 43}
